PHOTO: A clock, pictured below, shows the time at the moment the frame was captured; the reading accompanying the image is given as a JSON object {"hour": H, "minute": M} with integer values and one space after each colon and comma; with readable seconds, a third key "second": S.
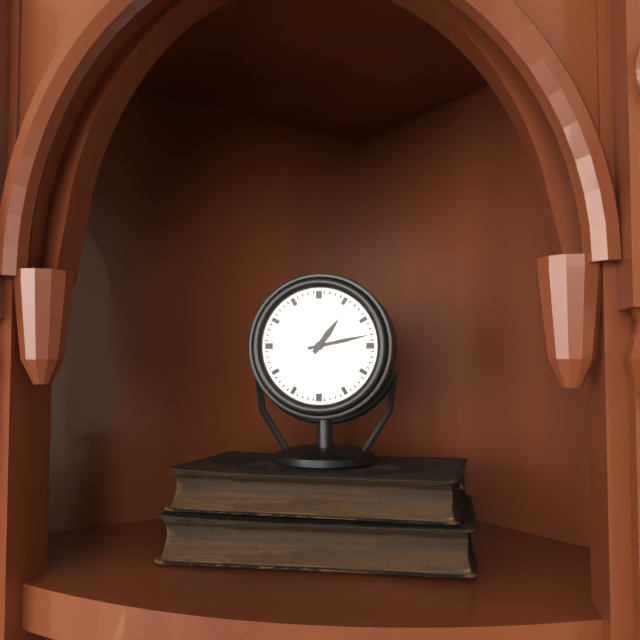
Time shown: {"hour": 1, "minute": 13}
